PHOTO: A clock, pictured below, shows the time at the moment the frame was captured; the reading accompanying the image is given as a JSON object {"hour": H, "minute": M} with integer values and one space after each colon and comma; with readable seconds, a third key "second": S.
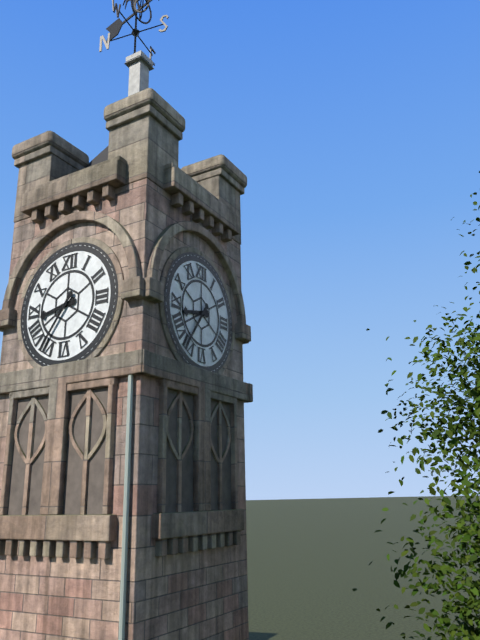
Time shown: {"hour": 8, "minute": 36}
